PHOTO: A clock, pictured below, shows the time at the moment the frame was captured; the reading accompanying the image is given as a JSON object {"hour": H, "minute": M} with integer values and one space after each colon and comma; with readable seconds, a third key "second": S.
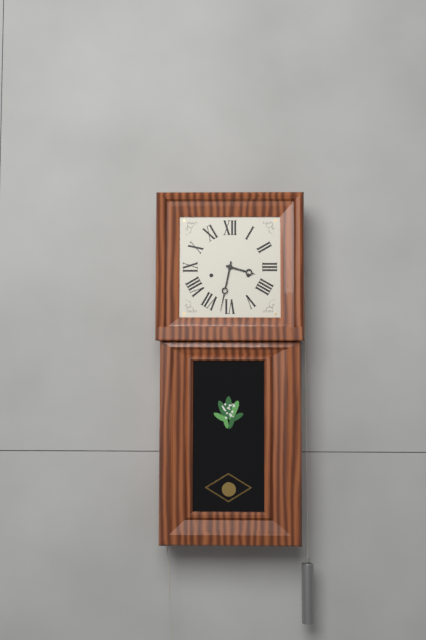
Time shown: {"hour": 3, "minute": 32}
